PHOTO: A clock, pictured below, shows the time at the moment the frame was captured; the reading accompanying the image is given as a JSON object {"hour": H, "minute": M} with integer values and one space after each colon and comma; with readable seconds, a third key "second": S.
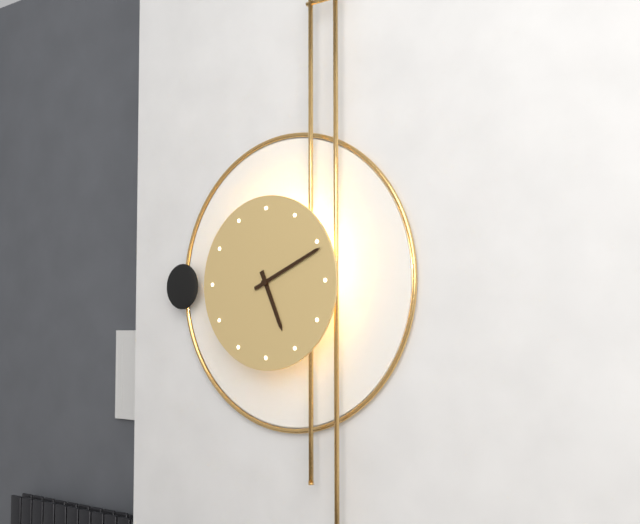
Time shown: {"hour": 5, "minute": 11}
